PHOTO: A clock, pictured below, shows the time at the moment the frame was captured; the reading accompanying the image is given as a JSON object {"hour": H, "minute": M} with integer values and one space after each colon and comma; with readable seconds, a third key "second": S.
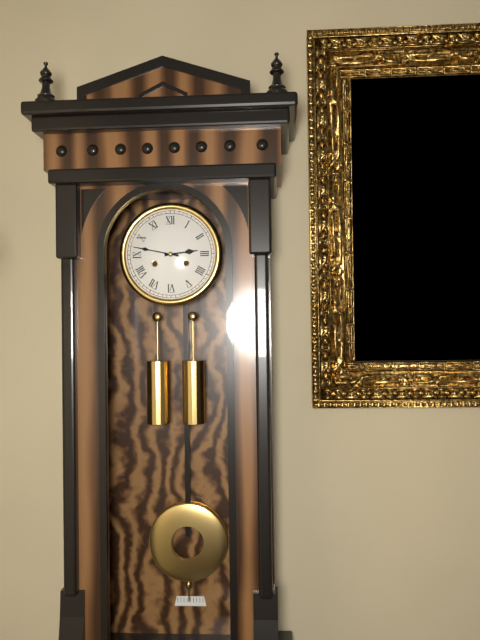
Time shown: {"hour": 2, "minute": 47}
